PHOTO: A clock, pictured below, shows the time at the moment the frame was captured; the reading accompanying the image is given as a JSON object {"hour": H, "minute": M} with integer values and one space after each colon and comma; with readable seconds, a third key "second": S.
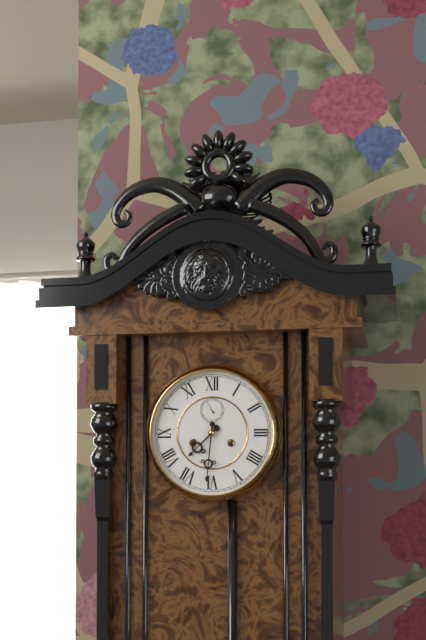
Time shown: {"hour": 7, "minute": 31}
